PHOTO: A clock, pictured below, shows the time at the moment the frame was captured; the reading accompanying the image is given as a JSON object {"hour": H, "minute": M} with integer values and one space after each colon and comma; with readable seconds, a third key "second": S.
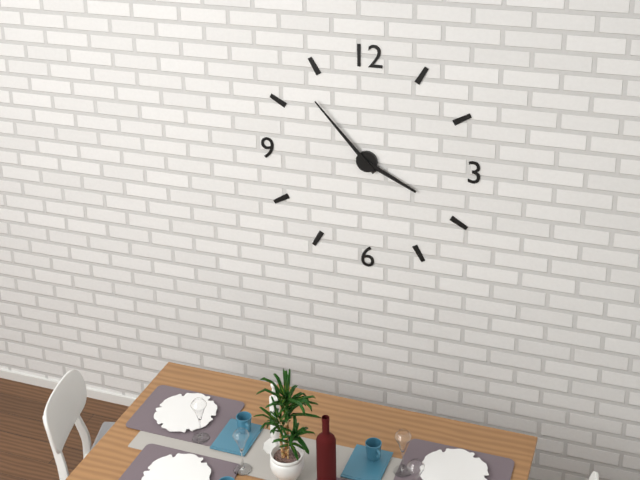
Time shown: {"hour": 3, "minute": 53}
